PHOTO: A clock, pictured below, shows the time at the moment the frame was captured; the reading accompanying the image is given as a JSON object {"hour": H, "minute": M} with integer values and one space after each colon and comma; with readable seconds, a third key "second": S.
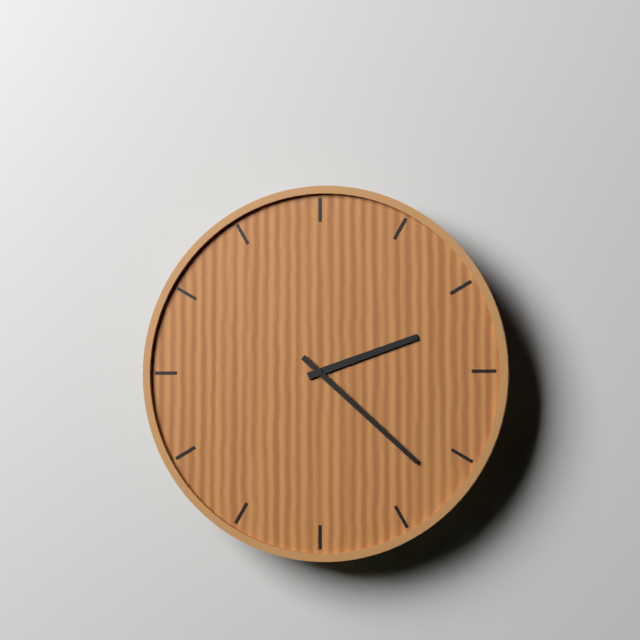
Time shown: {"hour": 2, "minute": 22}
